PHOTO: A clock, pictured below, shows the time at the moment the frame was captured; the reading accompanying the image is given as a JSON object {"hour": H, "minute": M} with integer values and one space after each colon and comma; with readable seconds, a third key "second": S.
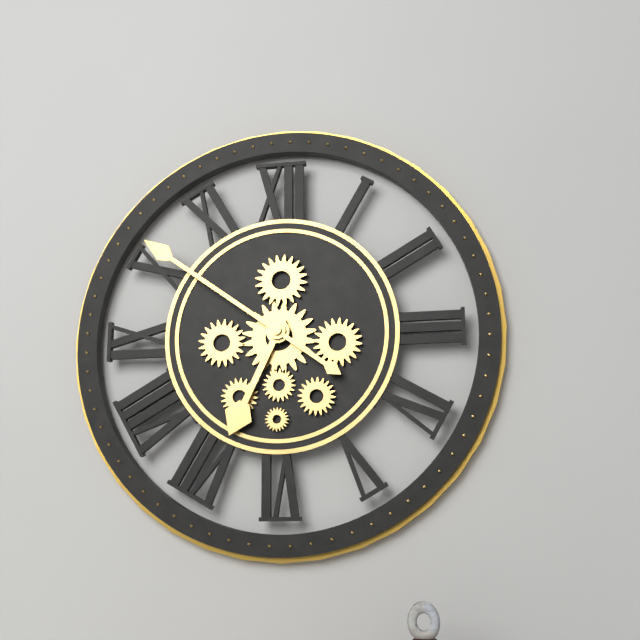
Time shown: {"hour": 6, "minute": 51}
